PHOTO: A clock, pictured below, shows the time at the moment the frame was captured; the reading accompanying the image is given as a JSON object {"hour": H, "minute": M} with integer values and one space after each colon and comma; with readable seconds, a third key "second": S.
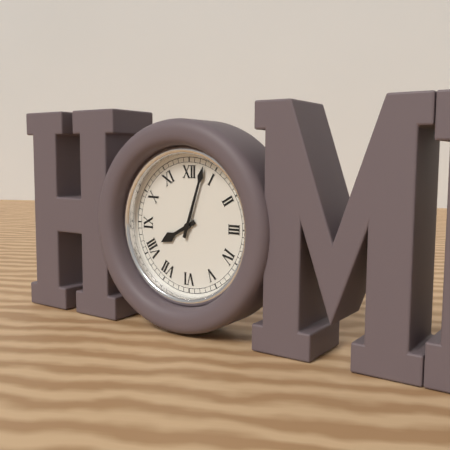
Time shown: {"hour": 8, "minute": 3}
